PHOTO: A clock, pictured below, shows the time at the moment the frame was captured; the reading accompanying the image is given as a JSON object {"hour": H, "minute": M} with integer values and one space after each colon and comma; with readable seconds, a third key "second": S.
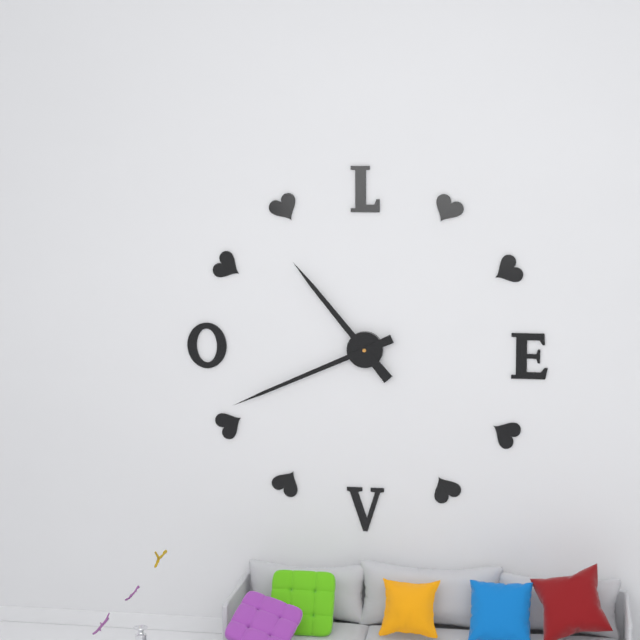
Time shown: {"hour": 10, "minute": 41}
